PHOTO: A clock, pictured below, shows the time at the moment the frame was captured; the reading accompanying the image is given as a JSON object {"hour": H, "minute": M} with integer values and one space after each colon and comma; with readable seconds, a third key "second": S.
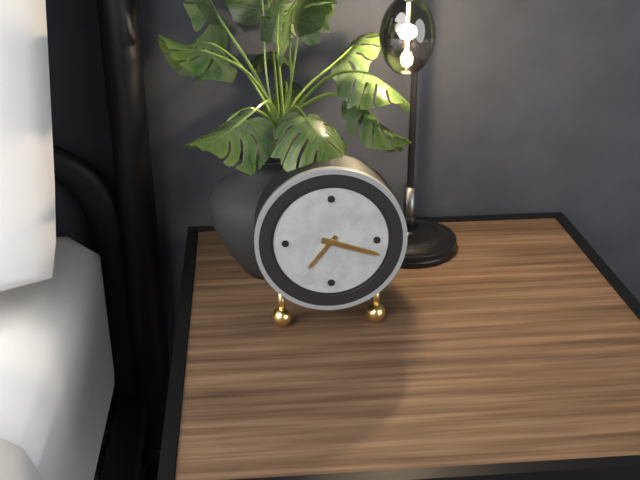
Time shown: {"hour": 7, "minute": 18}
